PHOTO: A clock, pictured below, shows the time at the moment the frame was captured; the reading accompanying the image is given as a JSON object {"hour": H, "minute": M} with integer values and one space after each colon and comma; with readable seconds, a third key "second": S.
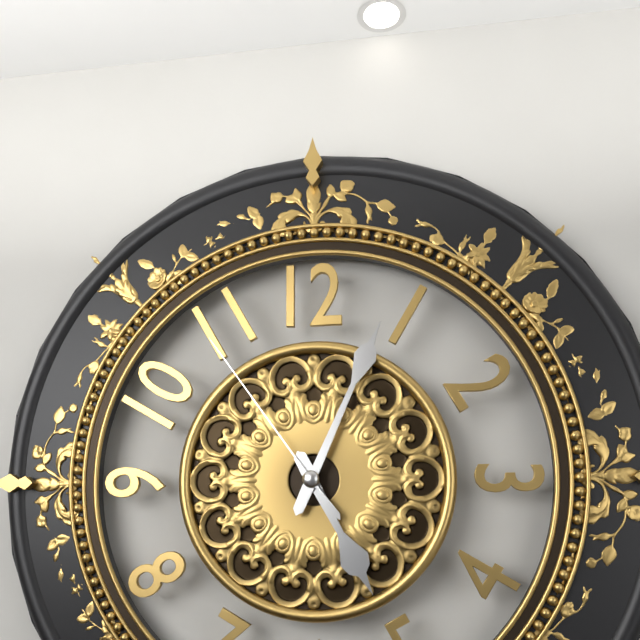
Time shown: {"hour": 5, "minute": 4, "second": 54}
